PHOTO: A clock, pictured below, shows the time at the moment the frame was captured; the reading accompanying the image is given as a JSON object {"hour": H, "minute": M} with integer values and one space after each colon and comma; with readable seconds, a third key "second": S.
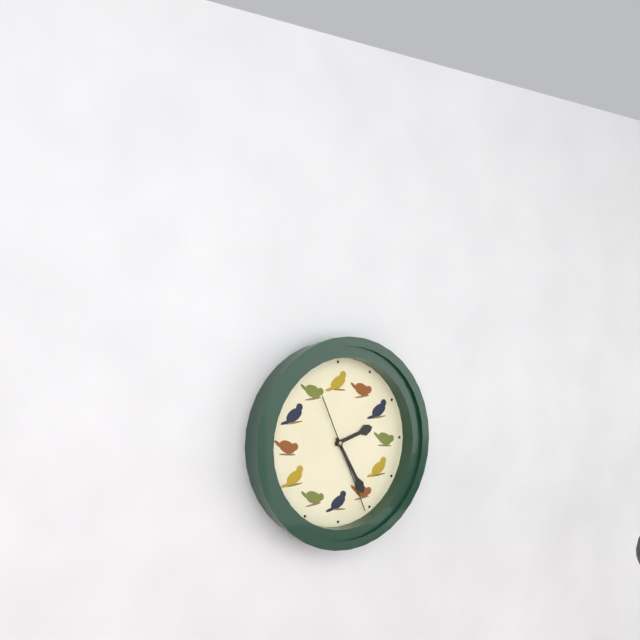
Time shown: {"hour": 2, "minute": 25, "second": 26}
